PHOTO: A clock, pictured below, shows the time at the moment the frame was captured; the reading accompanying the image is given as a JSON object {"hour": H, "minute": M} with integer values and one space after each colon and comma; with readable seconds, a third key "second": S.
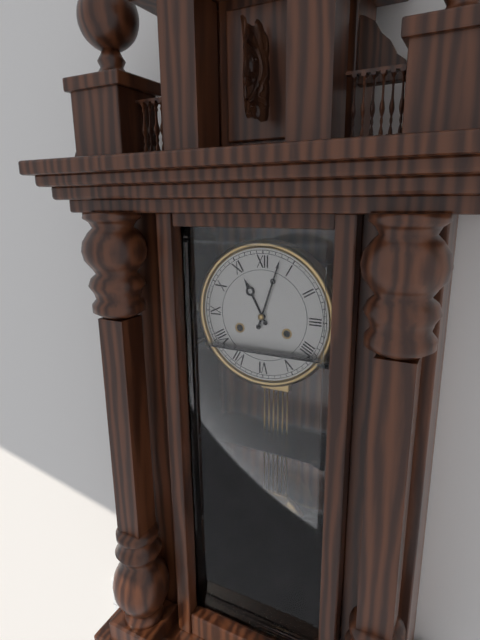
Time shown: {"hour": 11, "minute": 3}
